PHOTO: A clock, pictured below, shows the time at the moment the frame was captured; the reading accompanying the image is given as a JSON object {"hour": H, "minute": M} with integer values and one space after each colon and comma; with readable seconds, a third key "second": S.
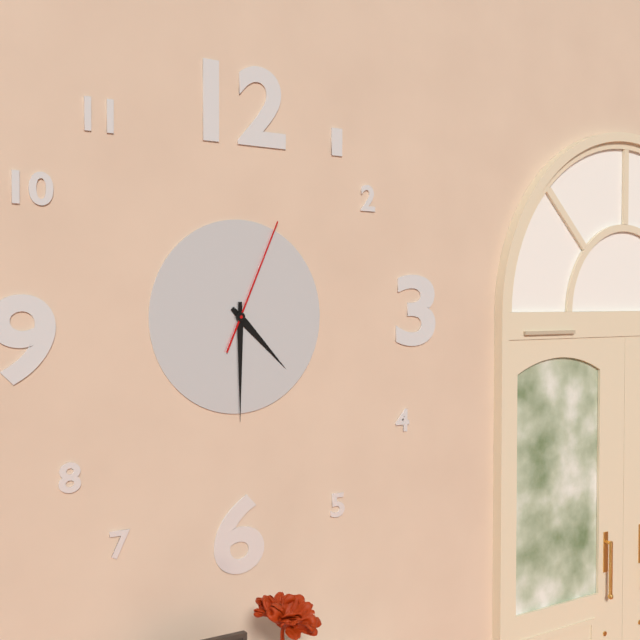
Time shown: {"hour": 4, "minute": 30, "second": 4}
